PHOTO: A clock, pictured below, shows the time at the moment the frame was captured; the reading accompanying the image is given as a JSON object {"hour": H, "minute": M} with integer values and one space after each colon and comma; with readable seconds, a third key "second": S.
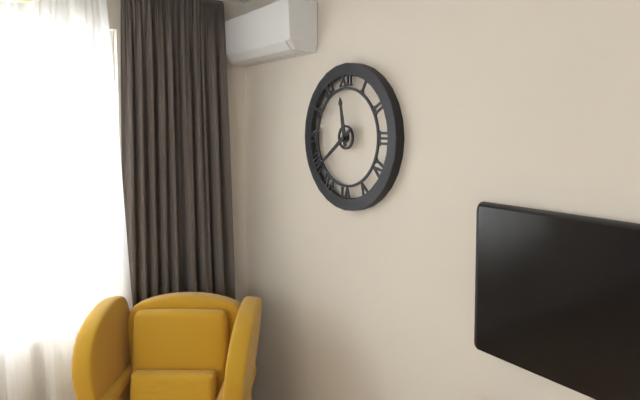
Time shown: {"hour": 11, "minute": 39}
